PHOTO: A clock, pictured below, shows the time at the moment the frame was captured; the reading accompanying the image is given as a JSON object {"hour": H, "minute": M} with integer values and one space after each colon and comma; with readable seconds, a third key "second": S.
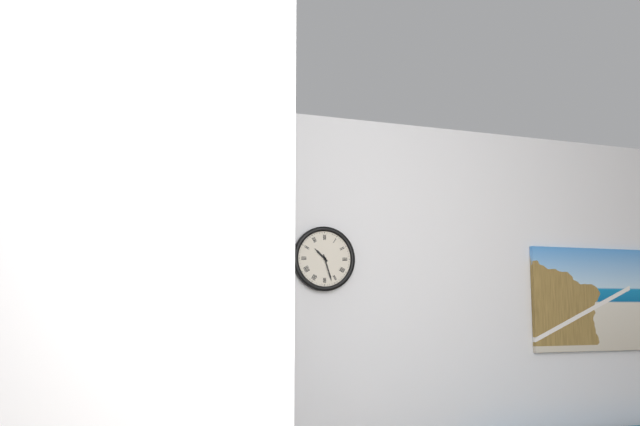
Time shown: {"hour": 10, "minute": 27}
